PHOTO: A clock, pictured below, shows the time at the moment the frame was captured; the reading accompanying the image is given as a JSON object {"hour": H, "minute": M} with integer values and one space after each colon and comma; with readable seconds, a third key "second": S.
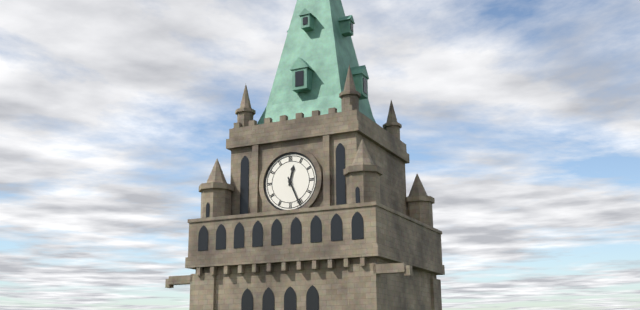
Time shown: {"hour": 12, "minute": 26}
